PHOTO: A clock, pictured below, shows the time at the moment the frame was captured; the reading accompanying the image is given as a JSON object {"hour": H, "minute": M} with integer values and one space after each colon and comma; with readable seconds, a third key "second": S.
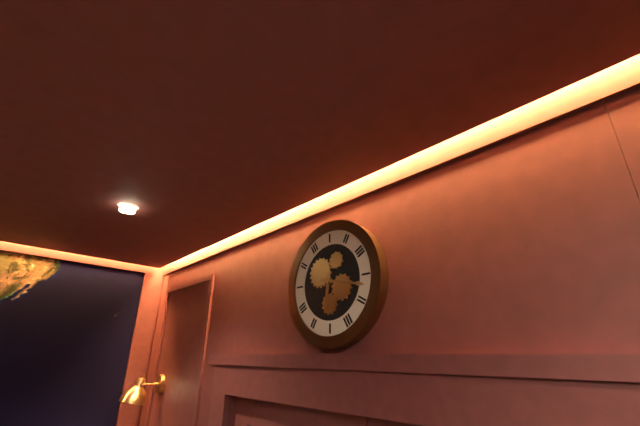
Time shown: {"hour": 6, "minute": 17}
